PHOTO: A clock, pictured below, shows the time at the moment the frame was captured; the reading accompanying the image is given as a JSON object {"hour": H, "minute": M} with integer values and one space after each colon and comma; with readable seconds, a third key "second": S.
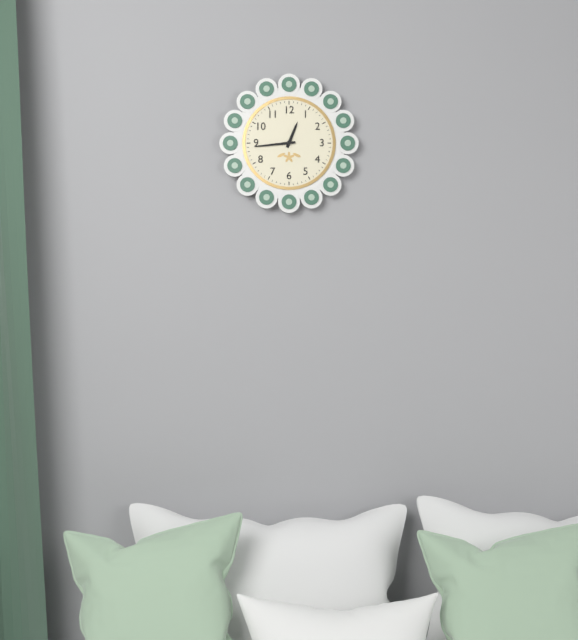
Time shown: {"hour": 12, "minute": 44}
